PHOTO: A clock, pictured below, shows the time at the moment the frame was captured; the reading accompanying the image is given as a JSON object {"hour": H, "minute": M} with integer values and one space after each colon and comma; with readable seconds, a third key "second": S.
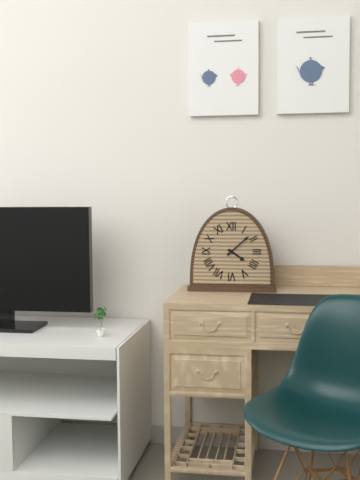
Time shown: {"hour": 4, "minute": 8}
